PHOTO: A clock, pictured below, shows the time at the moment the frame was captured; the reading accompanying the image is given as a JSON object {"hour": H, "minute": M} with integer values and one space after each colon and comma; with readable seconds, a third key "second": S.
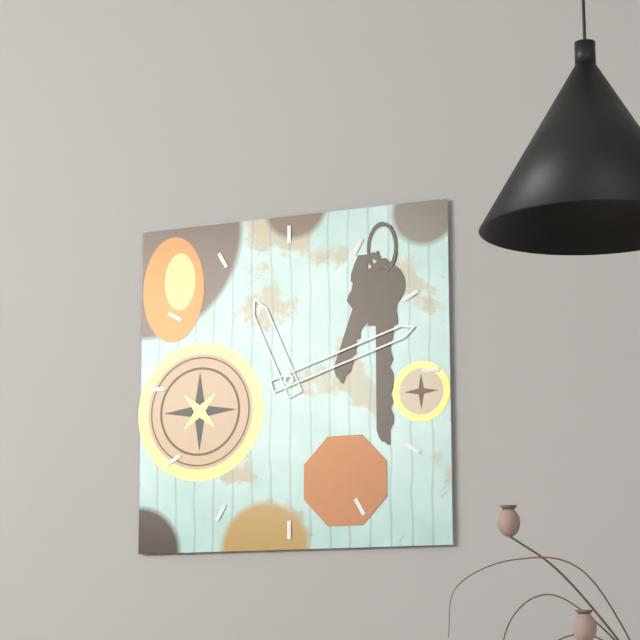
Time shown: {"hour": 11, "minute": 12}
